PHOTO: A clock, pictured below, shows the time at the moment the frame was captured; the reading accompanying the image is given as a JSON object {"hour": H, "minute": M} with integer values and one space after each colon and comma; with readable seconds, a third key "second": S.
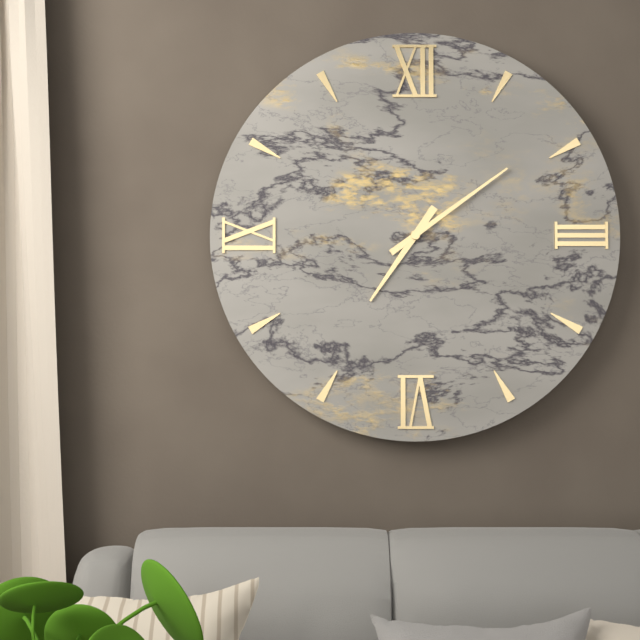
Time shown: {"hour": 7, "minute": 9}
